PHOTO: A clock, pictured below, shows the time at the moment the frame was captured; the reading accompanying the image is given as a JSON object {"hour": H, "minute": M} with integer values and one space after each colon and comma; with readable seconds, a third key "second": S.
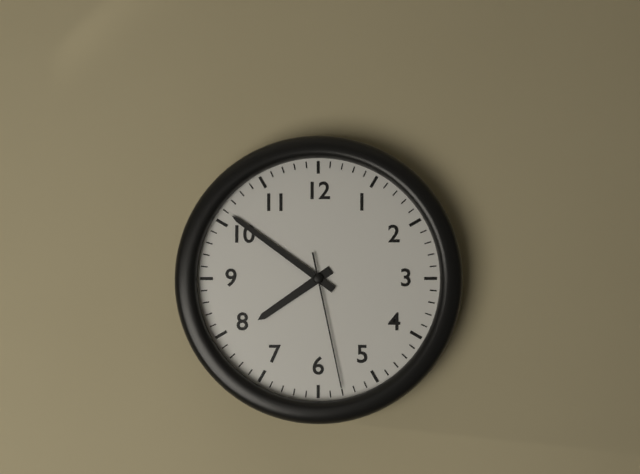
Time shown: {"hour": 7, "minute": 51, "second": 28}
